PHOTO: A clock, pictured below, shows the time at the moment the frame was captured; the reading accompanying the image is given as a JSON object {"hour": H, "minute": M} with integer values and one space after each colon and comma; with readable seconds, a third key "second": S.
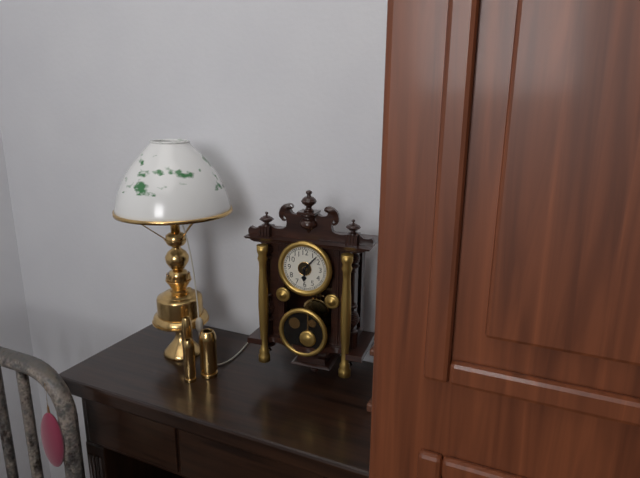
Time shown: {"hour": 6, "minute": 7}
